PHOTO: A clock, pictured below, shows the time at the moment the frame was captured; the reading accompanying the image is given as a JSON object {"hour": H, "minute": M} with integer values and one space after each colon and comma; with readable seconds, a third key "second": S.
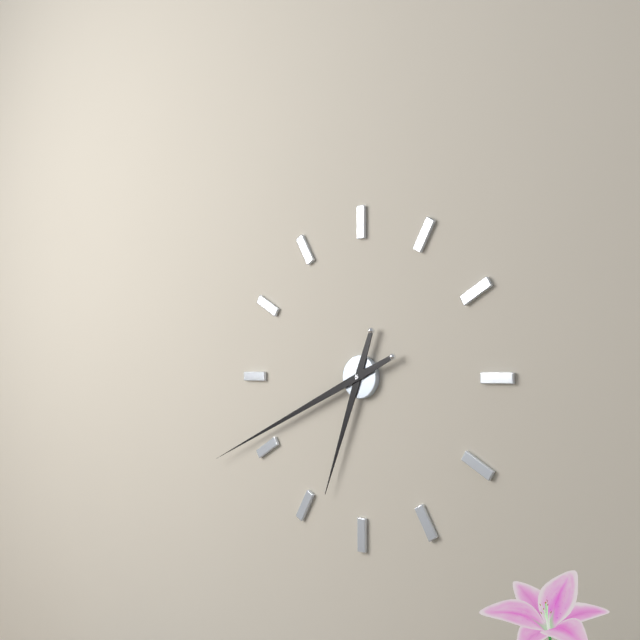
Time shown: {"hour": 6, "minute": 41}
